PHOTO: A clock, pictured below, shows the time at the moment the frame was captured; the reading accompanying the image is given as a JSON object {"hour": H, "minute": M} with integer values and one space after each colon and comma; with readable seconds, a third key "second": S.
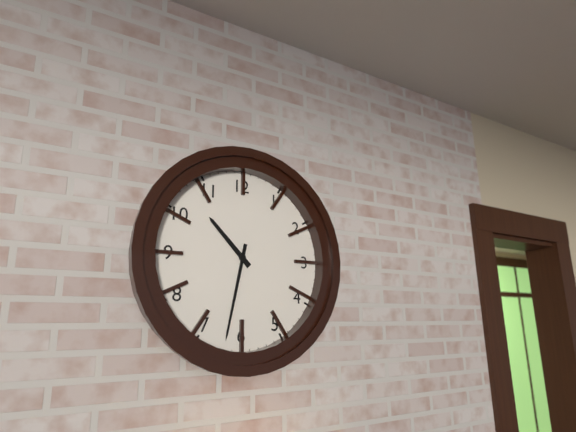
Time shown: {"hour": 10, "minute": 32}
